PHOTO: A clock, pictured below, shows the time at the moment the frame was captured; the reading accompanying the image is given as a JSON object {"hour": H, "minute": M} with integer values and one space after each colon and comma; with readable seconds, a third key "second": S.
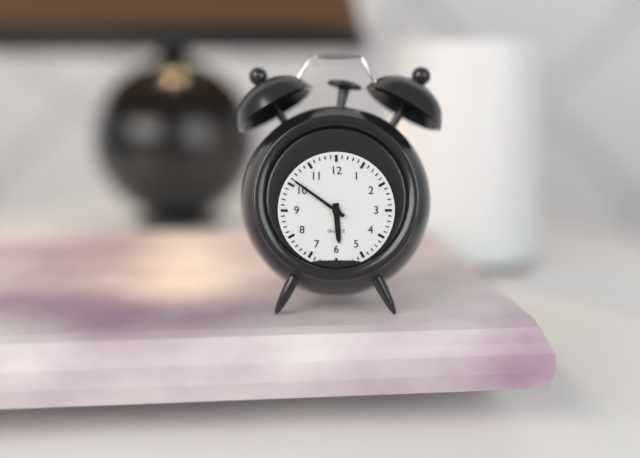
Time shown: {"hour": 5, "minute": 51}
